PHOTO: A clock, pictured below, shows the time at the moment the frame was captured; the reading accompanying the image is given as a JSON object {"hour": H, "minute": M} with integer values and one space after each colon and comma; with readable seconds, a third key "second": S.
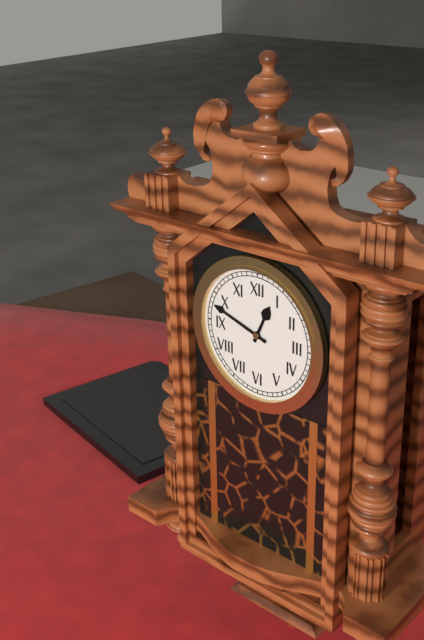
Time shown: {"hour": 12, "minute": 48}
